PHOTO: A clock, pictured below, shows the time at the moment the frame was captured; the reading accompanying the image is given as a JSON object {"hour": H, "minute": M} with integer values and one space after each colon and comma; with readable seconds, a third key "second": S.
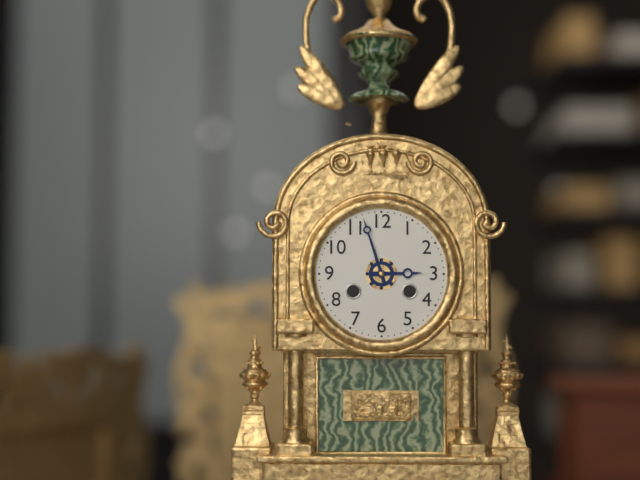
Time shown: {"hour": 2, "minute": 57}
